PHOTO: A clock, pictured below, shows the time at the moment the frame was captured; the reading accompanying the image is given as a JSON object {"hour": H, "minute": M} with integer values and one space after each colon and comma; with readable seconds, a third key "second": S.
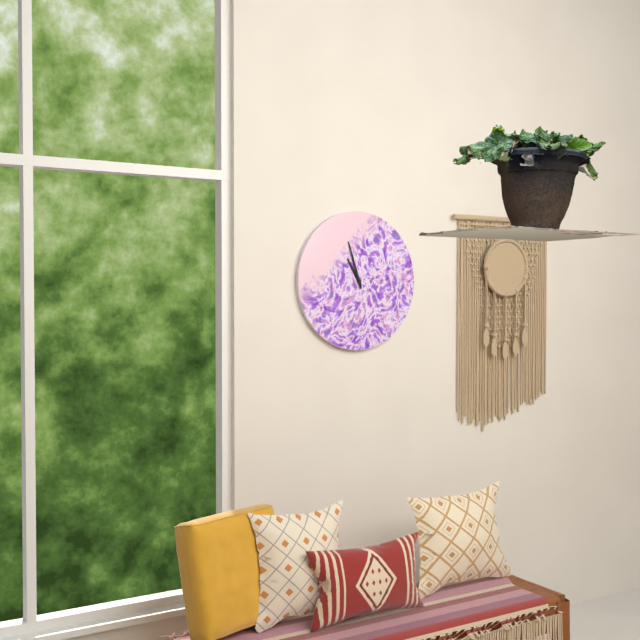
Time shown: {"hour": 10, "minute": 57}
